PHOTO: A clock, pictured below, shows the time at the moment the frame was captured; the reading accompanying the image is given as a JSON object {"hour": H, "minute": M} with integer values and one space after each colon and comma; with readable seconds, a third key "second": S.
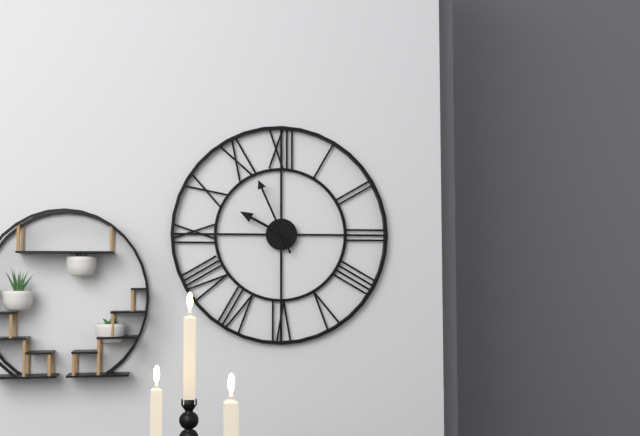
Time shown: {"hour": 9, "minute": 56}
